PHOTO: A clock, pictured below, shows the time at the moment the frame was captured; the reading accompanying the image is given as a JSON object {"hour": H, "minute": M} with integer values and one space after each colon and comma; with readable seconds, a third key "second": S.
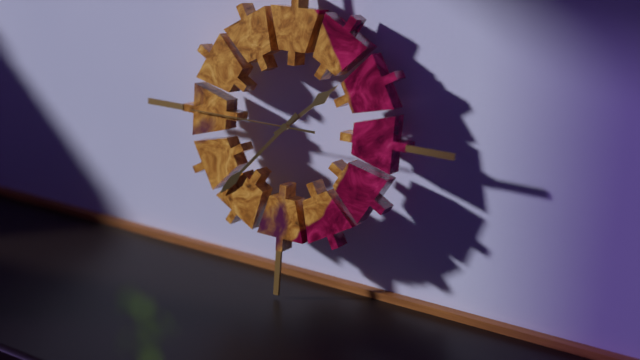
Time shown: {"hour": 1, "minute": 37, "second": 45}
